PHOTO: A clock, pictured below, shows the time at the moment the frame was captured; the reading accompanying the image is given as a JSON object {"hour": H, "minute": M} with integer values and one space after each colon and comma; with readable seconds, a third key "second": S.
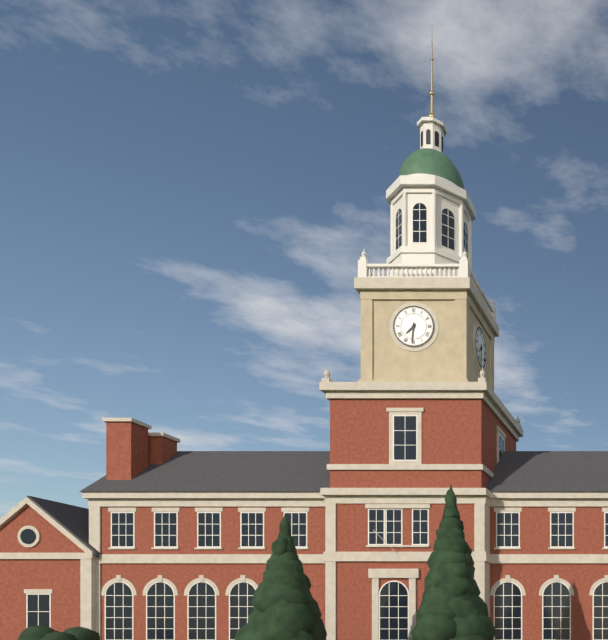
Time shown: {"hour": 7, "minute": 31}
